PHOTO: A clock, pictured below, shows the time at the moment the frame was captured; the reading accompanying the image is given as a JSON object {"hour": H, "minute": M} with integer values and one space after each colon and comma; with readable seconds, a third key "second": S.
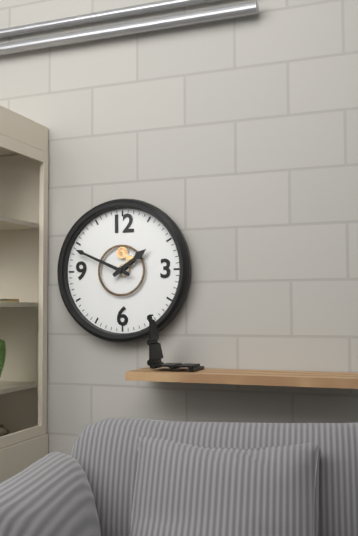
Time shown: {"hour": 1, "minute": 49}
